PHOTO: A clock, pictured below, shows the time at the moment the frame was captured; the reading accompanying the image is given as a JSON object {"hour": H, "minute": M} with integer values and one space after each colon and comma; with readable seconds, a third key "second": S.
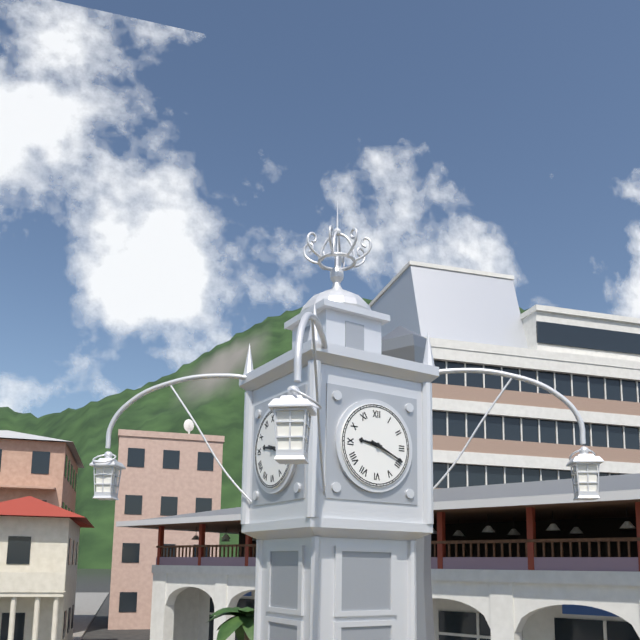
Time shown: {"hour": 9, "minute": 19}
